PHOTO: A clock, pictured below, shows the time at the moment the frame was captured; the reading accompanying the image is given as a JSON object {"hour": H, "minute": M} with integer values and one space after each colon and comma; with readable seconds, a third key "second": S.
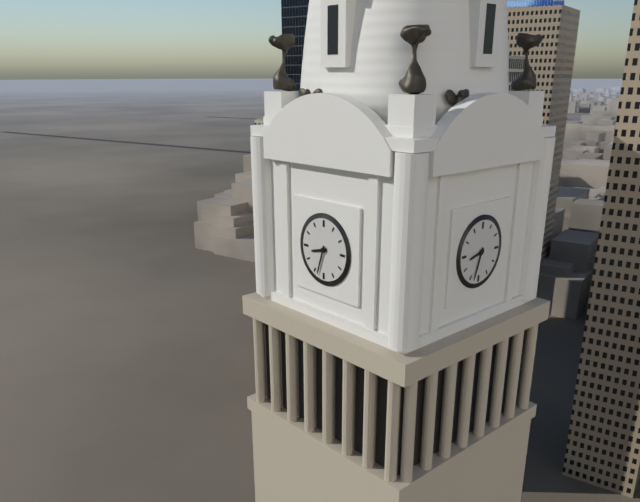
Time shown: {"hour": 8, "minute": 33}
